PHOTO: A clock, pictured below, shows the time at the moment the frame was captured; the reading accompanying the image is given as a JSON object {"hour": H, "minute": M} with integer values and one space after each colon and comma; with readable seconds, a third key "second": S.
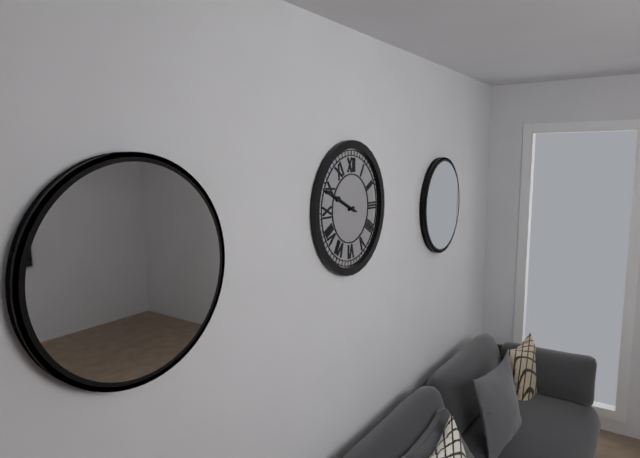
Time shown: {"hour": 9, "minute": 49}
